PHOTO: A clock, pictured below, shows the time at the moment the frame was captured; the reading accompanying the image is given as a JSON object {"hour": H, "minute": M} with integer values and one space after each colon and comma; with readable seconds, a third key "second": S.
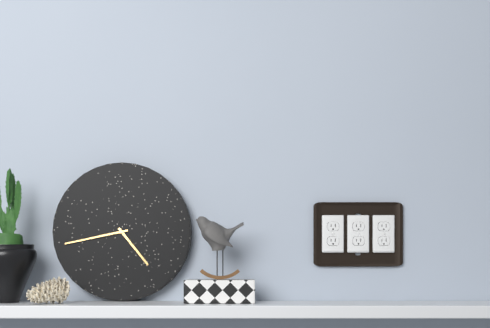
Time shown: {"hour": 4, "minute": 43}
